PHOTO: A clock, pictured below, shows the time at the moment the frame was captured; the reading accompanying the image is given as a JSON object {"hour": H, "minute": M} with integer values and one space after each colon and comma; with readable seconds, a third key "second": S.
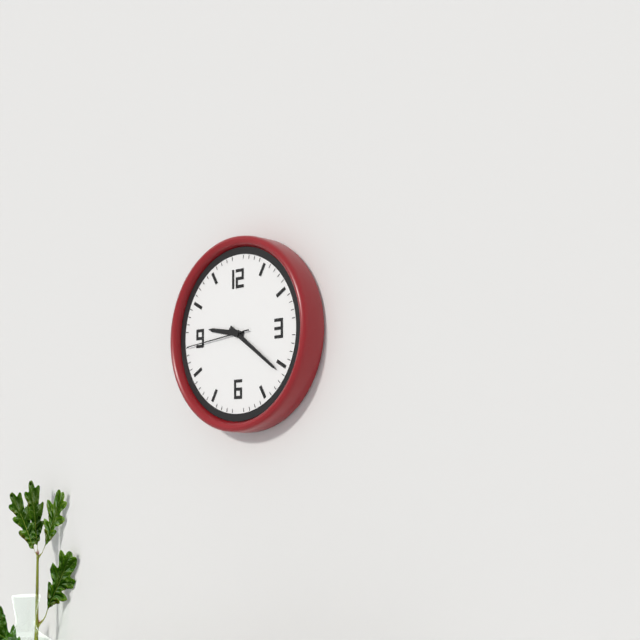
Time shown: {"hour": 9, "minute": 21, "second": 44}
